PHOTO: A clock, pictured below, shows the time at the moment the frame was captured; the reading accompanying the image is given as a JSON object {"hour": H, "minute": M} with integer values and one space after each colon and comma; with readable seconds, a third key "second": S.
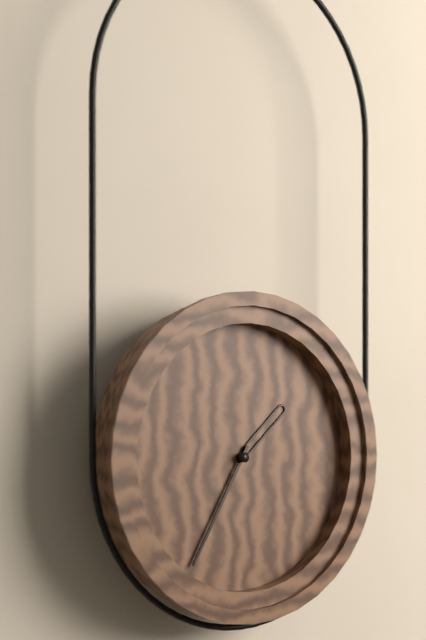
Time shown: {"hour": 1, "minute": 35}
